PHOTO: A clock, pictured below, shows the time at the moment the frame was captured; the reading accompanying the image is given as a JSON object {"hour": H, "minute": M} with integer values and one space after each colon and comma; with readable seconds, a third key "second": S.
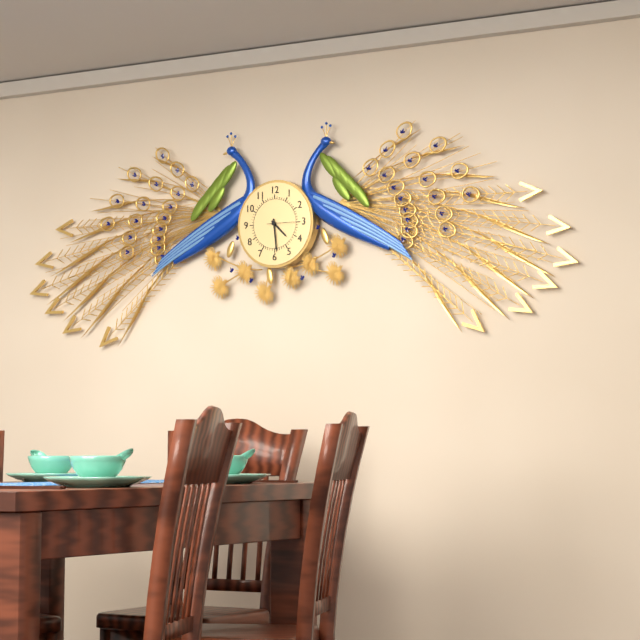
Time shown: {"hour": 4, "minute": 29}
